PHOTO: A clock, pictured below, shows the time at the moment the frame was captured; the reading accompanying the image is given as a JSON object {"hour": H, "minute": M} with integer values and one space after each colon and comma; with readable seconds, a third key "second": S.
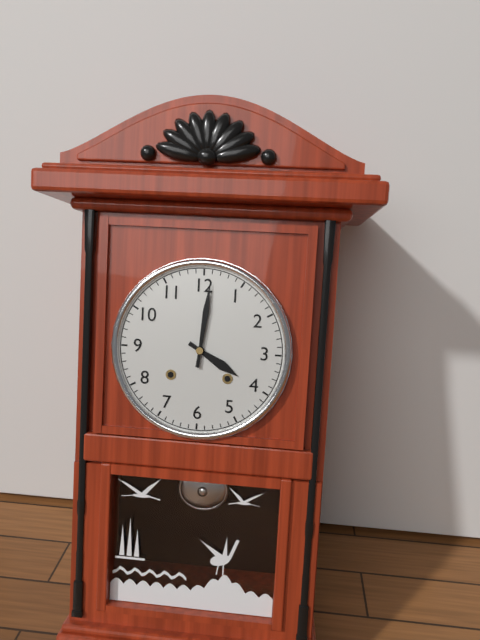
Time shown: {"hour": 4, "minute": 1}
